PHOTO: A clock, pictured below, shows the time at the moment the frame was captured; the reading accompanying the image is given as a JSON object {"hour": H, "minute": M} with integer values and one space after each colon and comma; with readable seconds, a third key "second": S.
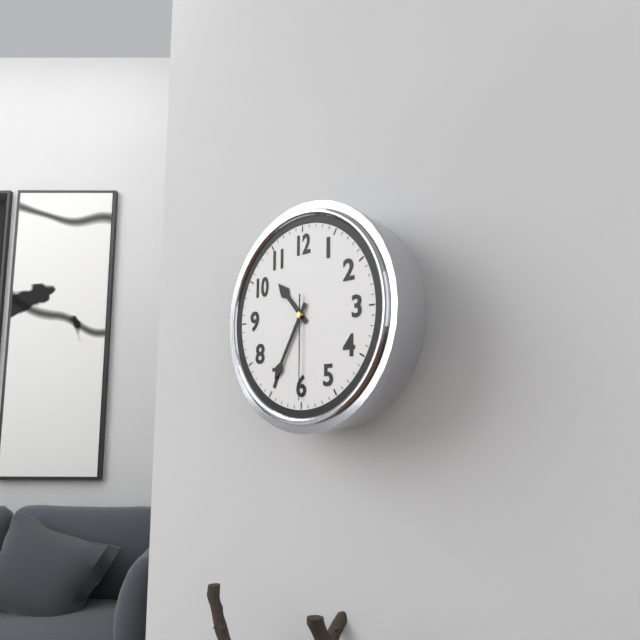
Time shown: {"hour": 10, "minute": 35, "second": 30}
